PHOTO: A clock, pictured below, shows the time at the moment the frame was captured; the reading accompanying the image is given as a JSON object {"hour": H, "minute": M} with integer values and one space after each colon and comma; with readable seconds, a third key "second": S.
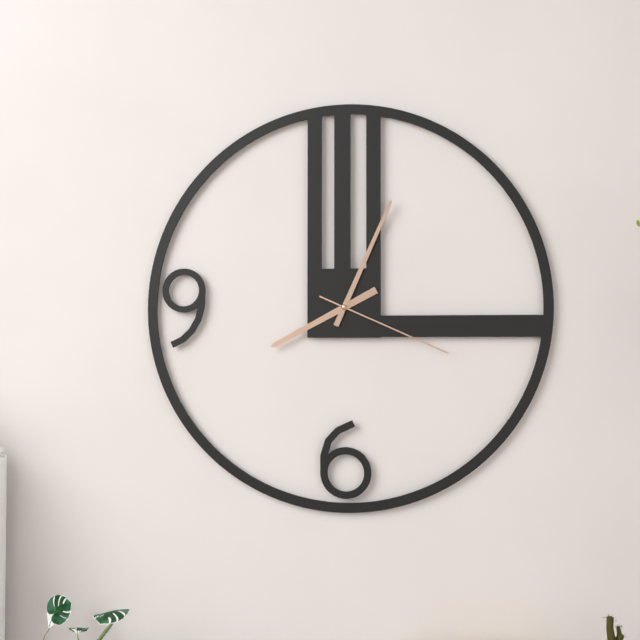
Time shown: {"hour": 8, "minute": 4, "second": 19}
